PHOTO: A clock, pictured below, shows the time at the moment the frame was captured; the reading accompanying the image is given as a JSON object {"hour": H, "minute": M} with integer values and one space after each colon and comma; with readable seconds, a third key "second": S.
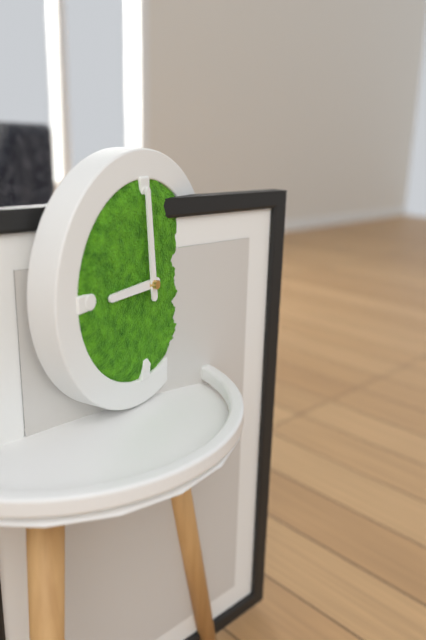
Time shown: {"hour": 8, "minute": 59}
